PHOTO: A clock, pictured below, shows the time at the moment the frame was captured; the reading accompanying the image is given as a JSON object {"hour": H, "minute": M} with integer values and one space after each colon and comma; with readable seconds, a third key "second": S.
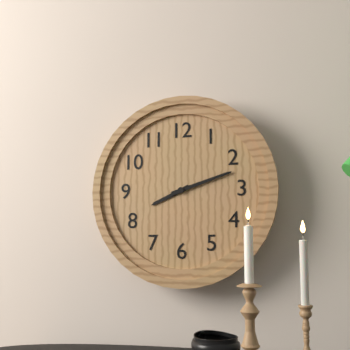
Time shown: {"hour": 8, "minute": 12}
